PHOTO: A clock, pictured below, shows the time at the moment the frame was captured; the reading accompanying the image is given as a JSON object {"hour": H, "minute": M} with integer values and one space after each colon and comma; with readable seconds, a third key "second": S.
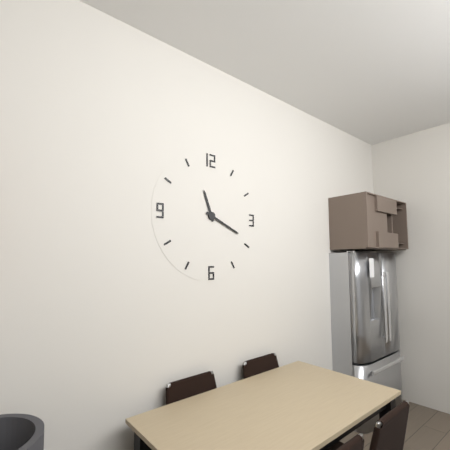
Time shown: {"hour": 11, "minute": 19}
